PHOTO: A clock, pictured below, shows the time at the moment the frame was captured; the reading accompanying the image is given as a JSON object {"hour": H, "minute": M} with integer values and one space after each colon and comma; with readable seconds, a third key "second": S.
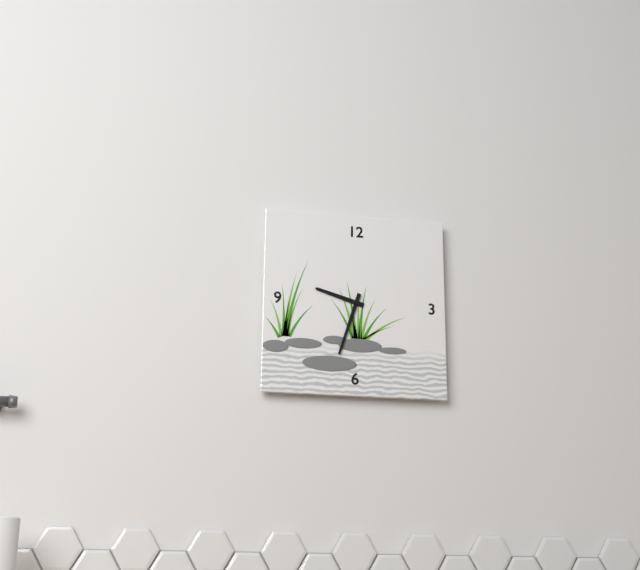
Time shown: {"hour": 9, "minute": 33}
